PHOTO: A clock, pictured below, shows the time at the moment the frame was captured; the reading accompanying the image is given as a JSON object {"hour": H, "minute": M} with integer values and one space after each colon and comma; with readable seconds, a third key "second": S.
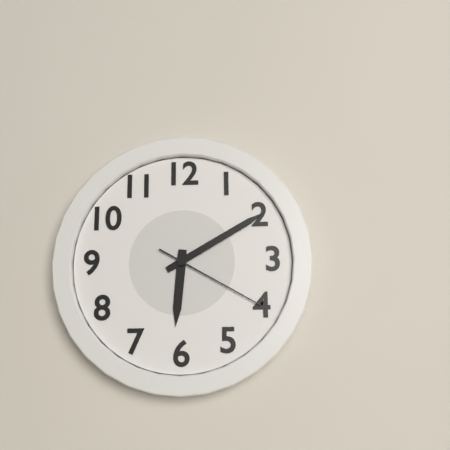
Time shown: {"hour": 6, "minute": 10, "second": 20}
